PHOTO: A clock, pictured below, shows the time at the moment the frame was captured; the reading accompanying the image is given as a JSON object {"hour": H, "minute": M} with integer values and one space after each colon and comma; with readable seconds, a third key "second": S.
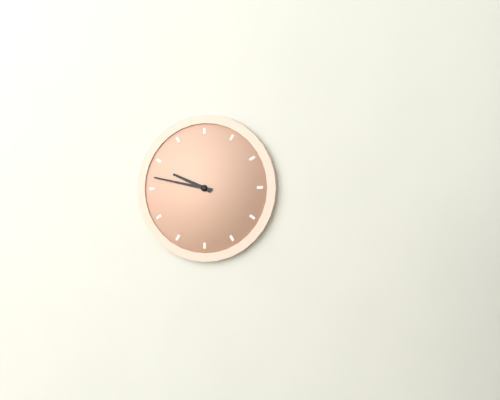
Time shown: {"hour": 9, "minute": 47}
